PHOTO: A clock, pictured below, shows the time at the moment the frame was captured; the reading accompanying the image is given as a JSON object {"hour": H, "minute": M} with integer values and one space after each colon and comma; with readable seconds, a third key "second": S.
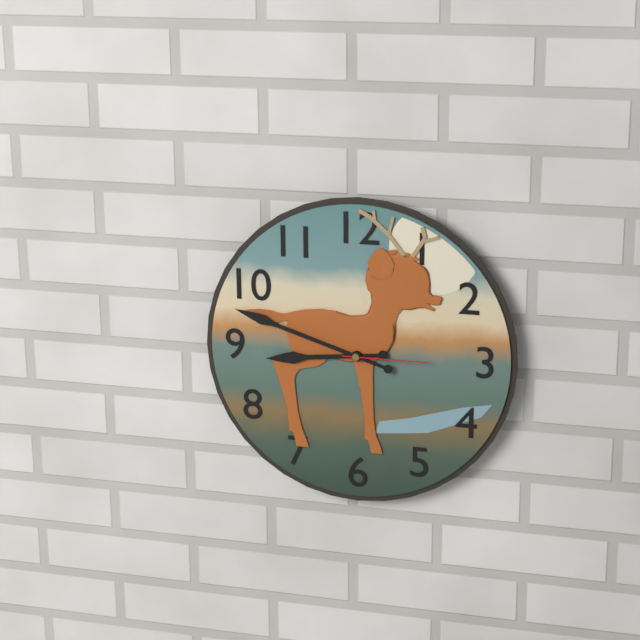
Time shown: {"hour": 8, "minute": 48, "second": 15}
